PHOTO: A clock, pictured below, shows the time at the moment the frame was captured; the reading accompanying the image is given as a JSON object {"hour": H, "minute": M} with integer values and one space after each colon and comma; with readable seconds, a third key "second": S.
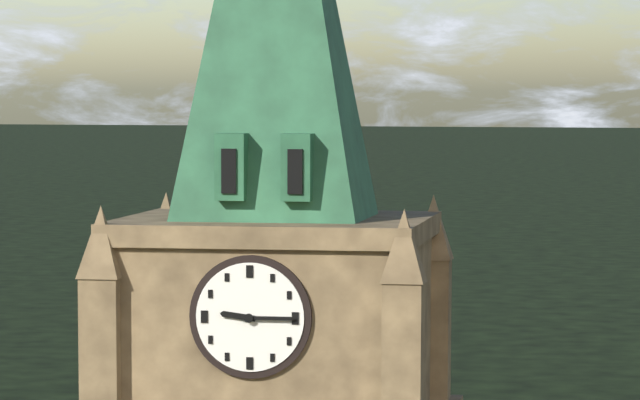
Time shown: {"hour": 9, "minute": 15}
